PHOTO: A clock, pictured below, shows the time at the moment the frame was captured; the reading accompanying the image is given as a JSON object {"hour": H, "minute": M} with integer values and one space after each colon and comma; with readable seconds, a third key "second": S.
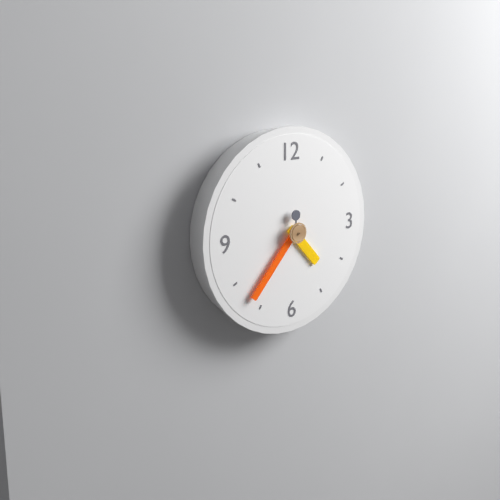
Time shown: {"hour": 4, "minute": 37}
